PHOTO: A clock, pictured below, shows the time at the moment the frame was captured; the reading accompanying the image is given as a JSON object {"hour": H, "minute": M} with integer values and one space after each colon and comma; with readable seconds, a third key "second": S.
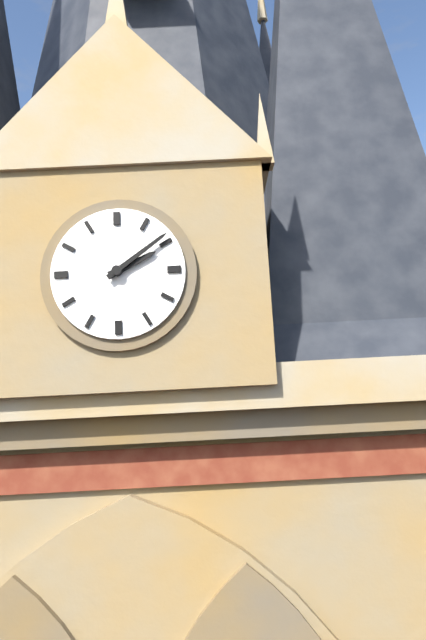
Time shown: {"hour": 2, "minute": 9}
